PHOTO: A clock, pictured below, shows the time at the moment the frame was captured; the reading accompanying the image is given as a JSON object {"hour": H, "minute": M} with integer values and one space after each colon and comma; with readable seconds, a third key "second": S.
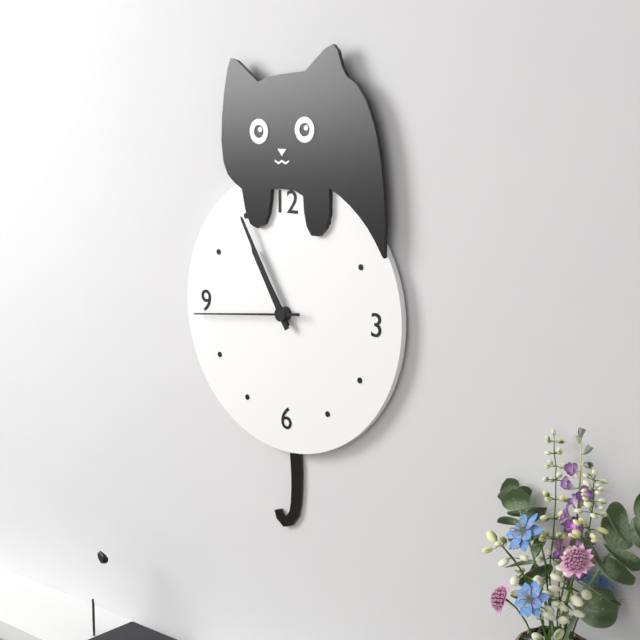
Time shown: {"hour": 10, "minute": 55, "second": 44}
